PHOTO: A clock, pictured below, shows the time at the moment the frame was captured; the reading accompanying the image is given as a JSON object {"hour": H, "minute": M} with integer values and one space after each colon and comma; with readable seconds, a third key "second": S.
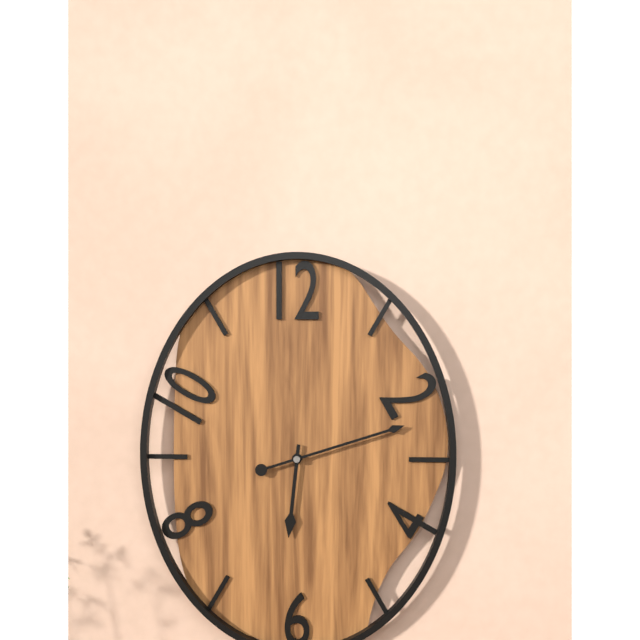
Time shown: {"hour": 6, "minute": 12}
